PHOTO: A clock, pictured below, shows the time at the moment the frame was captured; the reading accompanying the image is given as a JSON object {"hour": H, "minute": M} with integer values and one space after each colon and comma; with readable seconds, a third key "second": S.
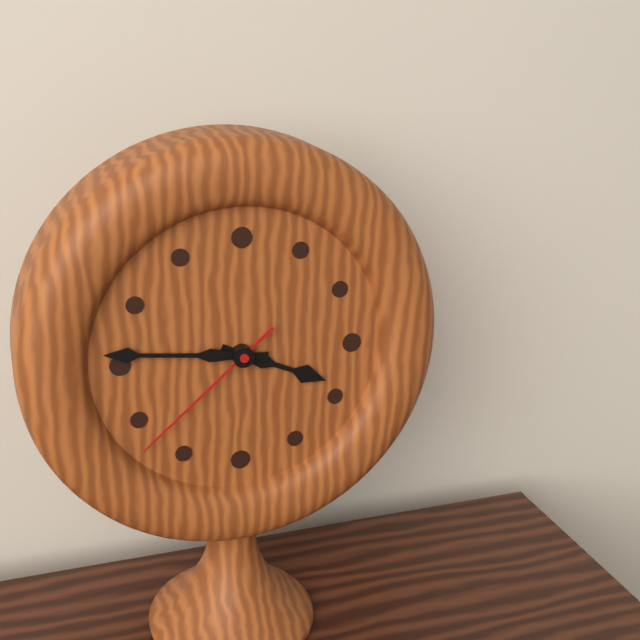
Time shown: {"hour": 3, "minute": 46, "second": 38}
